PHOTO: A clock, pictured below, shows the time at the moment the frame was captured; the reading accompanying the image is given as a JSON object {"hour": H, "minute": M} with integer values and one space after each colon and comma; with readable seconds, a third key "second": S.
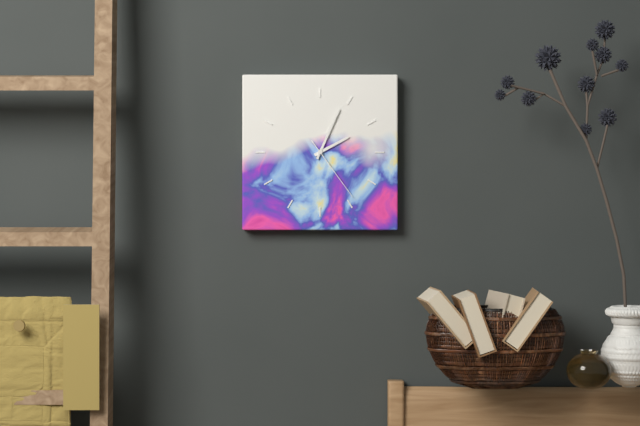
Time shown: {"hour": 2, "minute": 4, "second": 24}
